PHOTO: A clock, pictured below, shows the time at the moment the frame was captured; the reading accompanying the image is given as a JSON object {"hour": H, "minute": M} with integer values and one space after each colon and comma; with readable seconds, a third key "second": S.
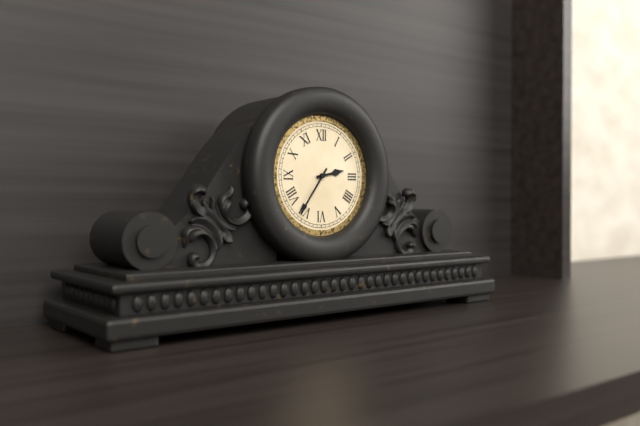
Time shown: {"hour": 2, "minute": 36}
